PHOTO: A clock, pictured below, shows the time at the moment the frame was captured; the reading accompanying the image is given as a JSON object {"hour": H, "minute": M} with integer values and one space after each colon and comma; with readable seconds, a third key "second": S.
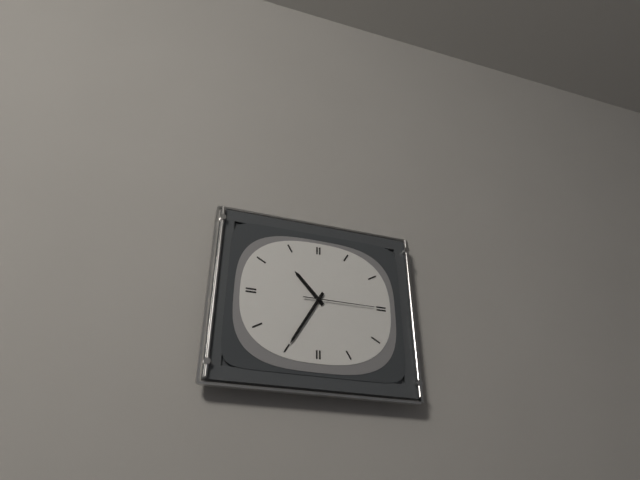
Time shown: {"hour": 10, "minute": 35, "second": 15}
